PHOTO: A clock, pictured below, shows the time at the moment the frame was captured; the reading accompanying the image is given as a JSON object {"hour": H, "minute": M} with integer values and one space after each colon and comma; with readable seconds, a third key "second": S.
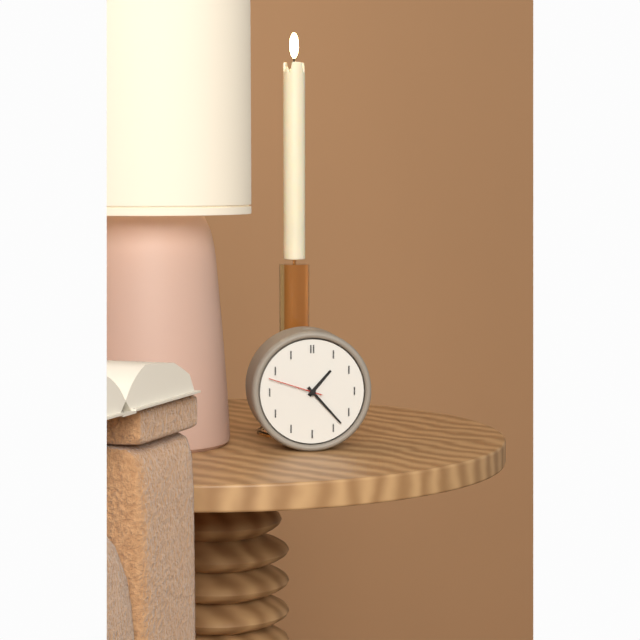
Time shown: {"hour": 1, "minute": 23, "second": 48}
